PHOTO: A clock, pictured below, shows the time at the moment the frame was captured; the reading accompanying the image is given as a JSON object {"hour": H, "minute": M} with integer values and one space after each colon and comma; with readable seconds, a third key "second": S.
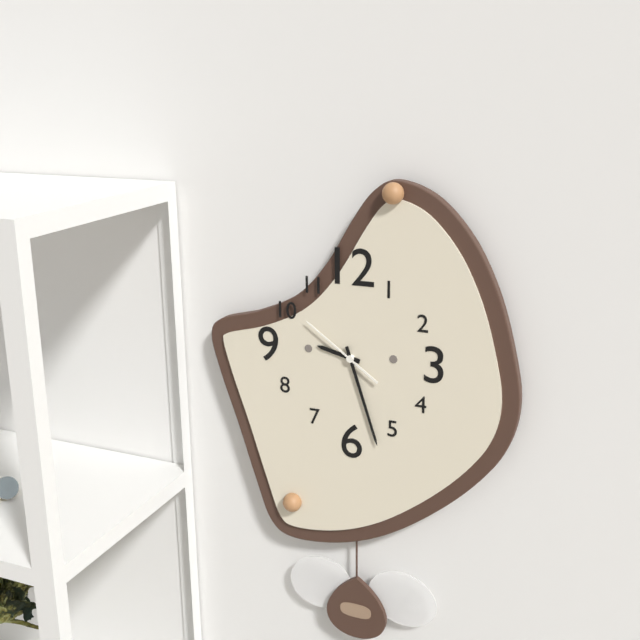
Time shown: {"hour": 9, "minute": 27, "second": 51}
